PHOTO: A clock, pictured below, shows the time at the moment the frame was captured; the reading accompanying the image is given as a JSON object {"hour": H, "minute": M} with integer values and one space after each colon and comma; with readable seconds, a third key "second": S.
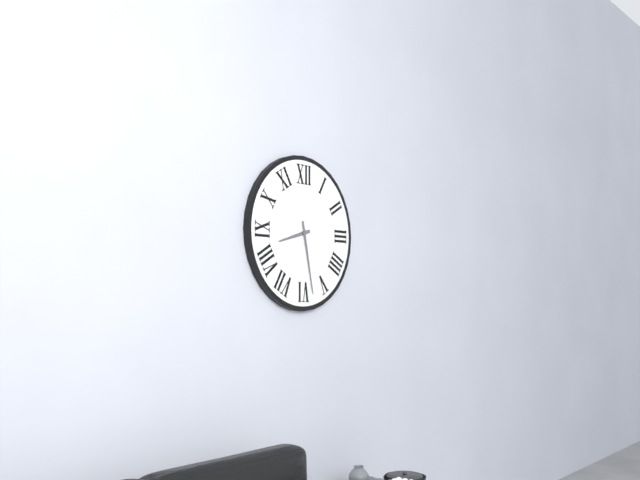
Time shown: {"hour": 8, "minute": 28}
